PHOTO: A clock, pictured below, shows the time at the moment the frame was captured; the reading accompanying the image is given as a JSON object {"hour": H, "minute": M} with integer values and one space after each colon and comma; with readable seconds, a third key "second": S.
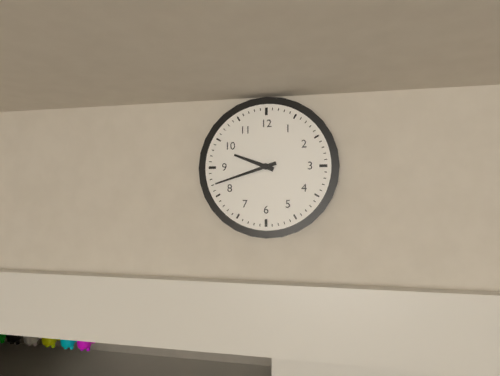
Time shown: {"hour": 9, "minute": 42}
